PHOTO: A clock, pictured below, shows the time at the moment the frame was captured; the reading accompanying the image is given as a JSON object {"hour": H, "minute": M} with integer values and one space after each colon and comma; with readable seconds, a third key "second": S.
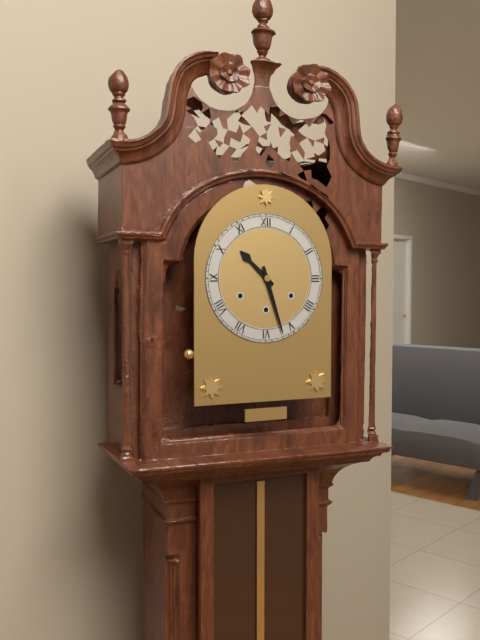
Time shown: {"hour": 10, "minute": 27}
